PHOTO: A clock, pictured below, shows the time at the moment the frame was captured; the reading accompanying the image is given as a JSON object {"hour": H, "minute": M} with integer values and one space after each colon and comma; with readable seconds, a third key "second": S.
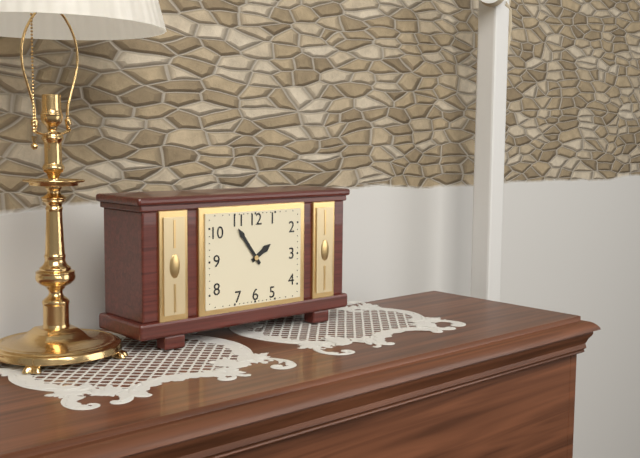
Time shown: {"hour": 1, "minute": 54}
